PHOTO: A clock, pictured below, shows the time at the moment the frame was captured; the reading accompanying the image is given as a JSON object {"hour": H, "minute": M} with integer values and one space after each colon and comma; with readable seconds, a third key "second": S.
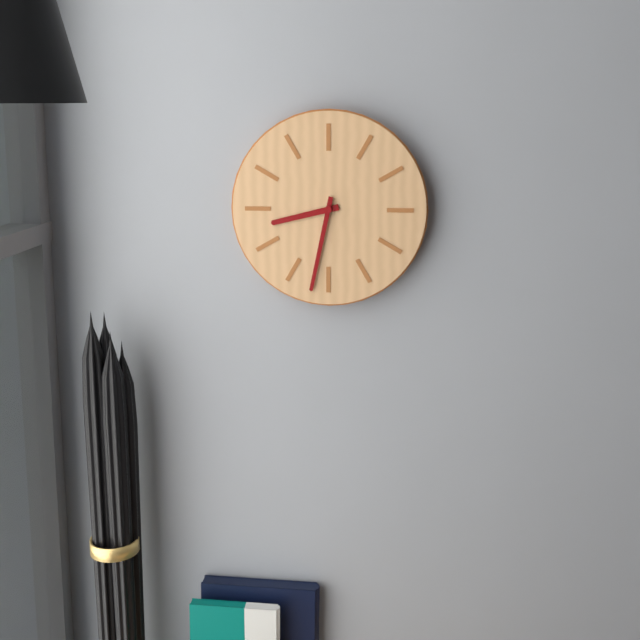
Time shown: {"hour": 8, "minute": 32}
